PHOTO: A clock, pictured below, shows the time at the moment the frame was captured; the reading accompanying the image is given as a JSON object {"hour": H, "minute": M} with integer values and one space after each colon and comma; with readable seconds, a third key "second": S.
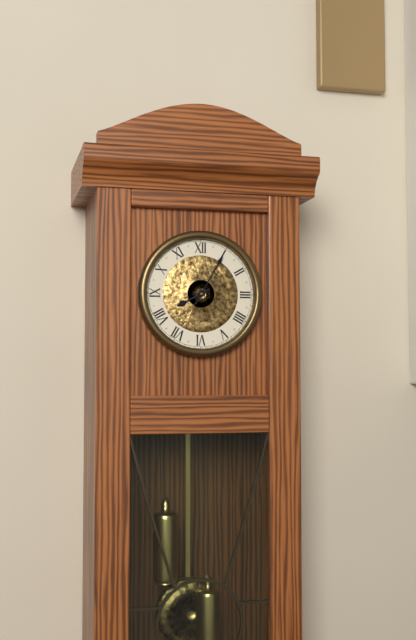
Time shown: {"hour": 8, "minute": 5}
